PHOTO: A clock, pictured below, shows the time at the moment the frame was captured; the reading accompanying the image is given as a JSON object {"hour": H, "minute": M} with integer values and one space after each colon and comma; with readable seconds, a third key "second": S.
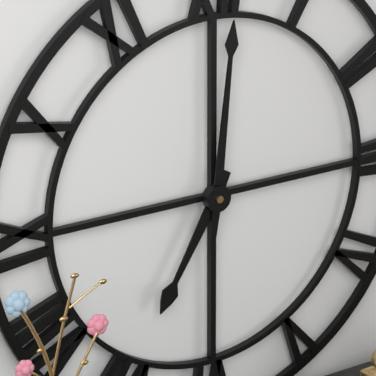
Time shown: {"hour": 7, "minute": 1}
